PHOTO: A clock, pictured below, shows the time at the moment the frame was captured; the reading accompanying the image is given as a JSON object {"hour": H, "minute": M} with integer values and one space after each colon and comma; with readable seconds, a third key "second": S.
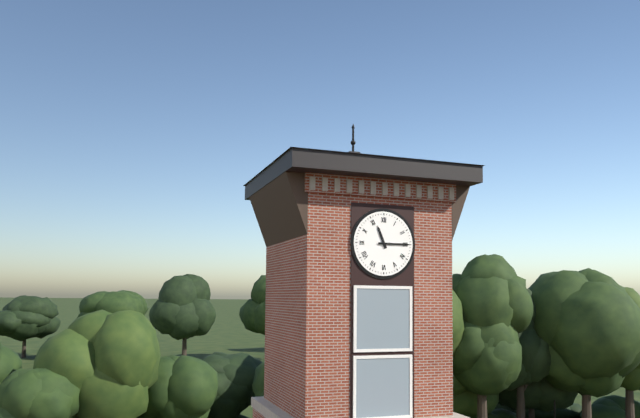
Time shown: {"hour": 11, "minute": 15}
